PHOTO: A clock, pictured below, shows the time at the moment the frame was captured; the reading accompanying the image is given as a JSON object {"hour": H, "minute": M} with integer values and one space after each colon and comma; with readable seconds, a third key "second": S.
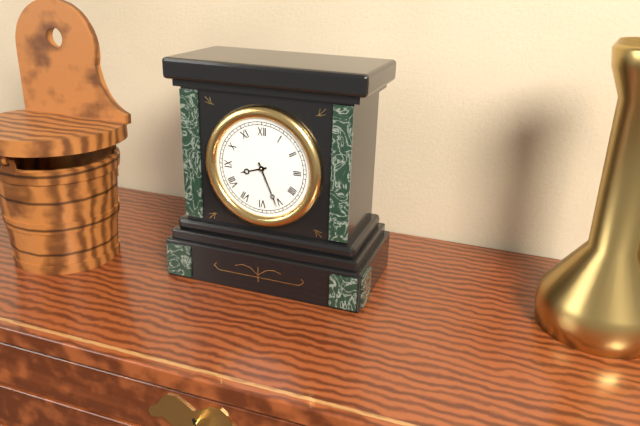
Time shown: {"hour": 8, "minute": 26}
